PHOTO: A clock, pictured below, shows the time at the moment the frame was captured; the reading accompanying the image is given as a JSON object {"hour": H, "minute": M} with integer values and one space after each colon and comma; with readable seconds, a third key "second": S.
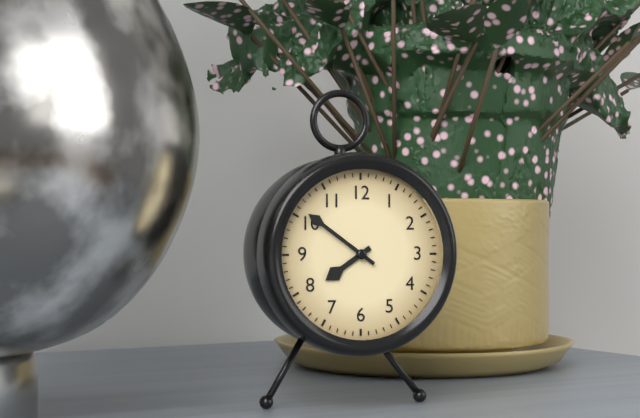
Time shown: {"hour": 7, "minute": 51}
